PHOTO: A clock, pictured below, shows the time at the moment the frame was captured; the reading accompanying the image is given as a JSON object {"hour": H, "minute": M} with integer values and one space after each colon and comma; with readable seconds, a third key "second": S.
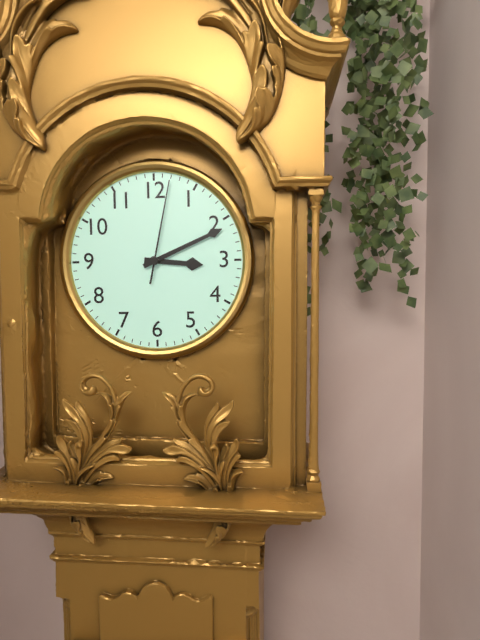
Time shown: {"hour": 3, "minute": 11, "second": 2}
